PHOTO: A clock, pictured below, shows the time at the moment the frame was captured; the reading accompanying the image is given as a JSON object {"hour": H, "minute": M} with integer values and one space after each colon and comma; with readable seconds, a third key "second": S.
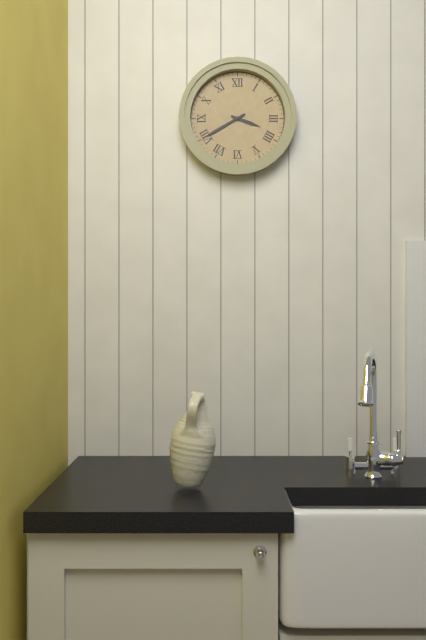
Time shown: {"hour": 3, "minute": 40}
